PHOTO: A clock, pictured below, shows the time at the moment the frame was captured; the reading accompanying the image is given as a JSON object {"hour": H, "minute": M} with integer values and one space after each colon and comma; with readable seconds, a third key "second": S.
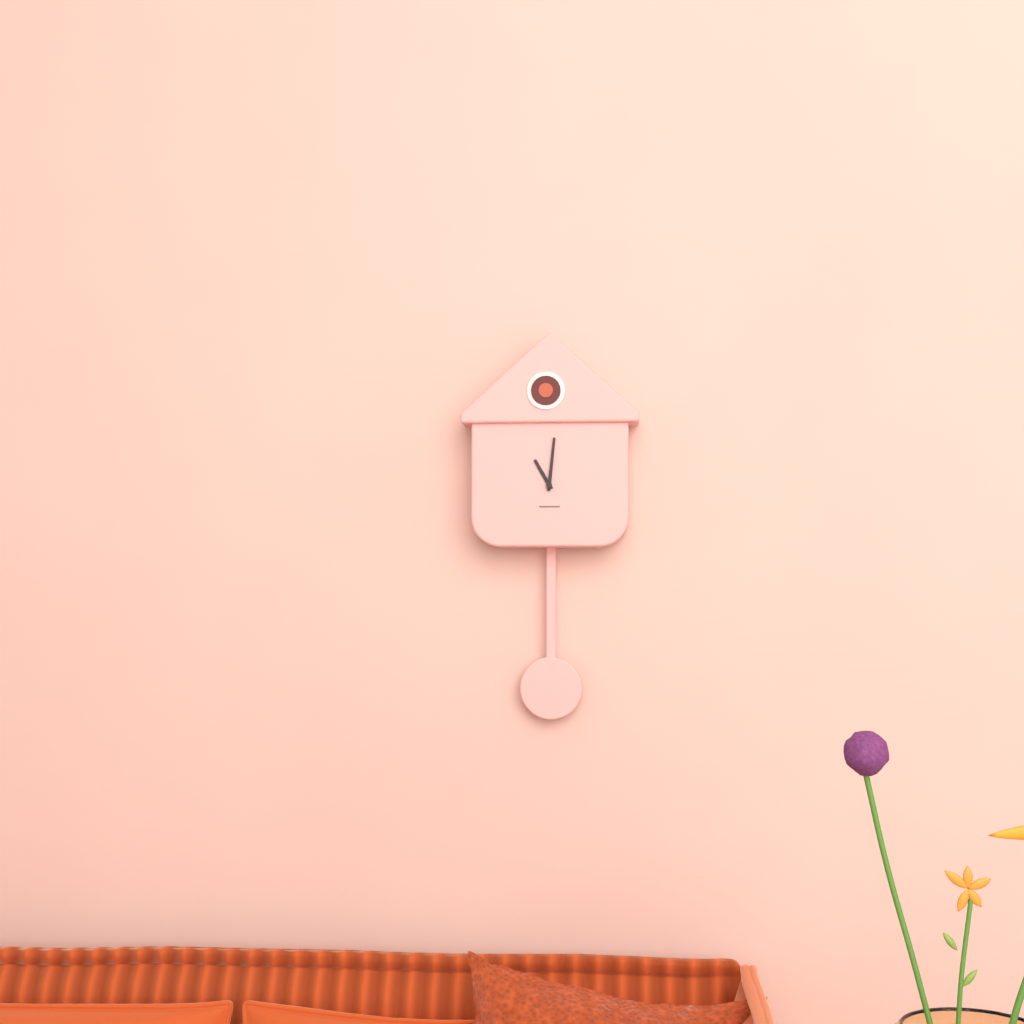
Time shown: {"hour": 11, "minute": 1}
